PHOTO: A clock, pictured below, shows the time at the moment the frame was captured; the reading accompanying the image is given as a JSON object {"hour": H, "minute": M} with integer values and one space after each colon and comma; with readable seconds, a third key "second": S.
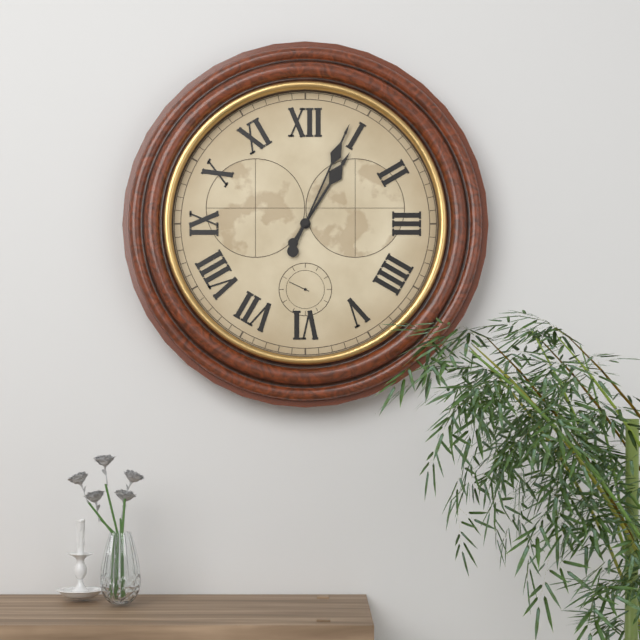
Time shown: {"hour": 1, "minute": 4}
